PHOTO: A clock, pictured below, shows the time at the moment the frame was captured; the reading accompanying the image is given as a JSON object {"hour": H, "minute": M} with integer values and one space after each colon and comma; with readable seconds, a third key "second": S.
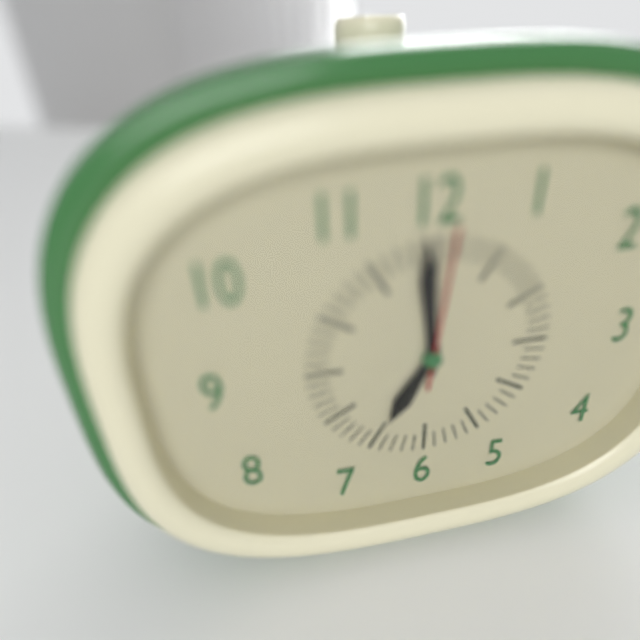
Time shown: {"hour": 6, "minute": 59, "second": 1}
